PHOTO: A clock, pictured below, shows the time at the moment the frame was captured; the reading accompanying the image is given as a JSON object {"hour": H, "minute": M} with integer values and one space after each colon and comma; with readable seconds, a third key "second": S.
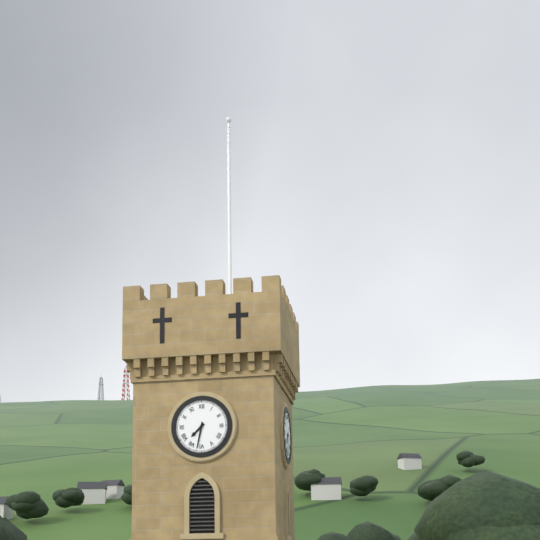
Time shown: {"hour": 7, "minute": 32}
